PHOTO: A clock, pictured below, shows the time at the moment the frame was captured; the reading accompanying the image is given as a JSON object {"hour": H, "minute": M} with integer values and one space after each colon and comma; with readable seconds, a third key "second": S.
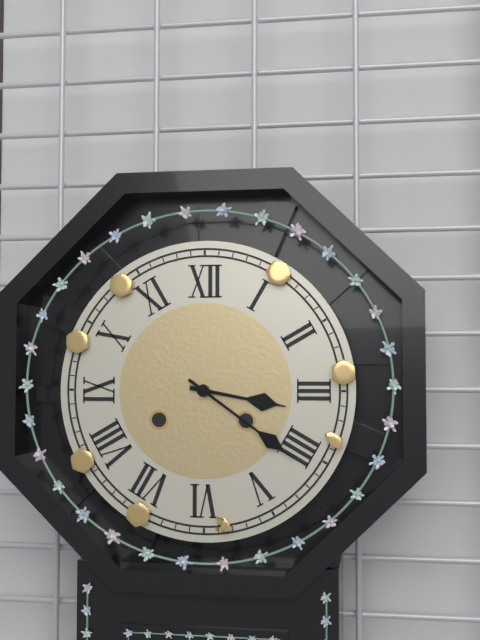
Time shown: {"hour": 3, "minute": 21}
